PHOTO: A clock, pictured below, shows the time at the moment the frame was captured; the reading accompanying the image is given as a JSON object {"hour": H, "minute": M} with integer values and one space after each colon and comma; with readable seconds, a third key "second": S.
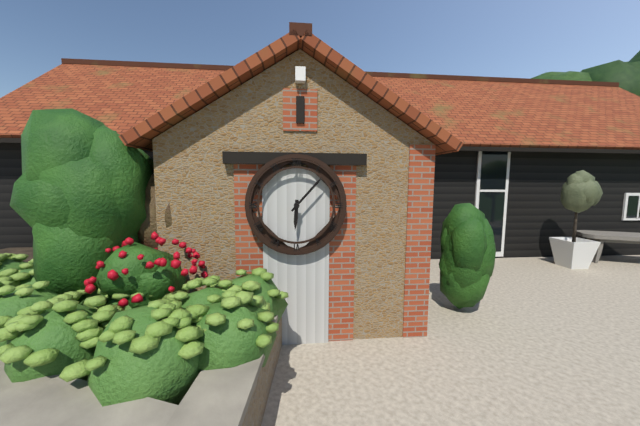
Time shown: {"hour": 6, "minute": 7}
